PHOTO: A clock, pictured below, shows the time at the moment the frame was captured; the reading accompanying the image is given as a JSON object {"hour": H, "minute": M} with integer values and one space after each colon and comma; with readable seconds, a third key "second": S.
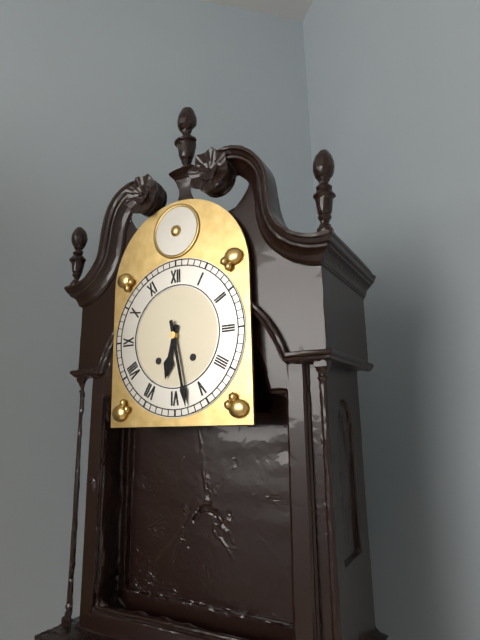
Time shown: {"hour": 6, "minute": 28}
